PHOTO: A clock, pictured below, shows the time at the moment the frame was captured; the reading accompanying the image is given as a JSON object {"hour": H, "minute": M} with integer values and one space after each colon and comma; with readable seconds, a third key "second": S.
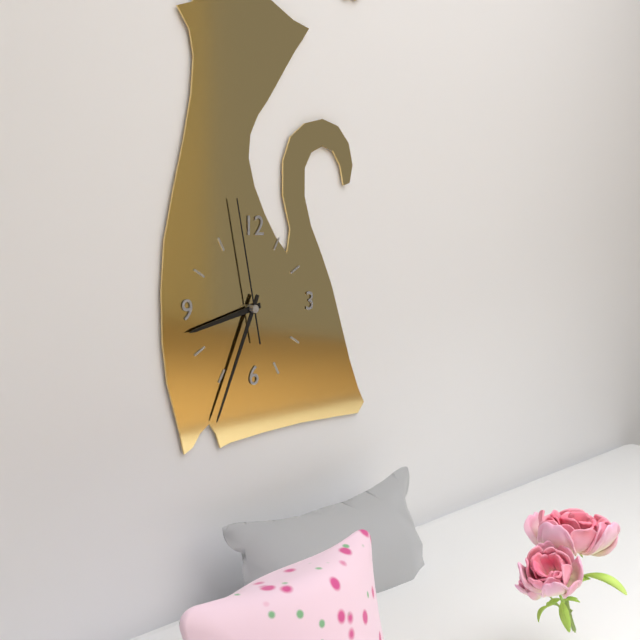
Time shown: {"hour": 8, "minute": 34, "second": 58}
